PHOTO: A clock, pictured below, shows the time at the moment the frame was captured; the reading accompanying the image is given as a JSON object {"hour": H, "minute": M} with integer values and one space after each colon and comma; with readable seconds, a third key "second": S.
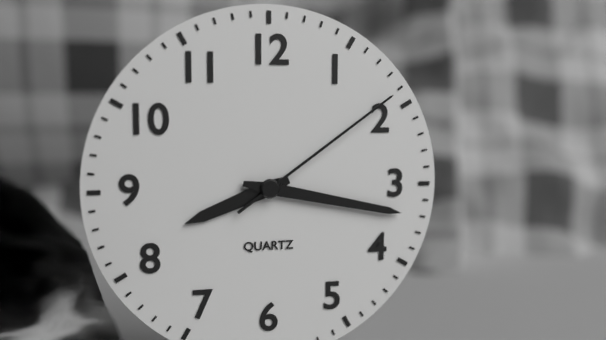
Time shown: {"hour": 8, "minute": 17, "second": 9}
